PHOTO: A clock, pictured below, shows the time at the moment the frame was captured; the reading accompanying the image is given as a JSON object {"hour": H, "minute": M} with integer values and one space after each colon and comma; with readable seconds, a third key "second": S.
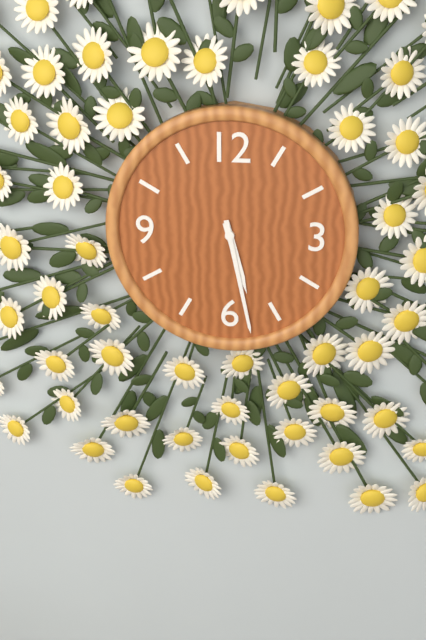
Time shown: {"hour": 5, "minute": 28}
